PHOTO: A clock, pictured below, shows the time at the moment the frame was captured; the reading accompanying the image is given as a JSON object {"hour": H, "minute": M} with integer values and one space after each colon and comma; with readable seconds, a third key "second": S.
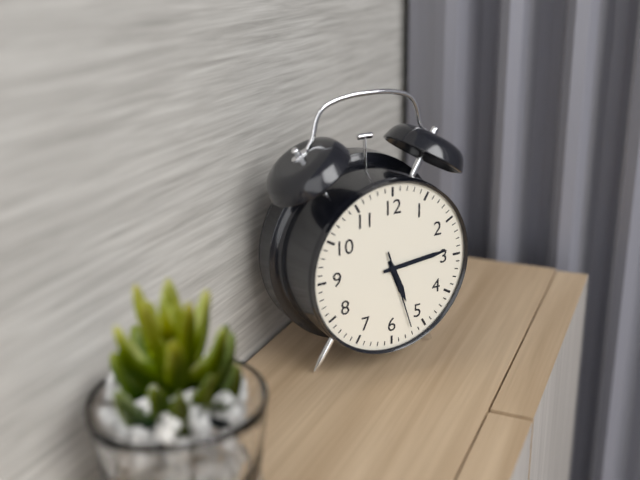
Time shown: {"hour": 5, "minute": 14, "second": 27}
